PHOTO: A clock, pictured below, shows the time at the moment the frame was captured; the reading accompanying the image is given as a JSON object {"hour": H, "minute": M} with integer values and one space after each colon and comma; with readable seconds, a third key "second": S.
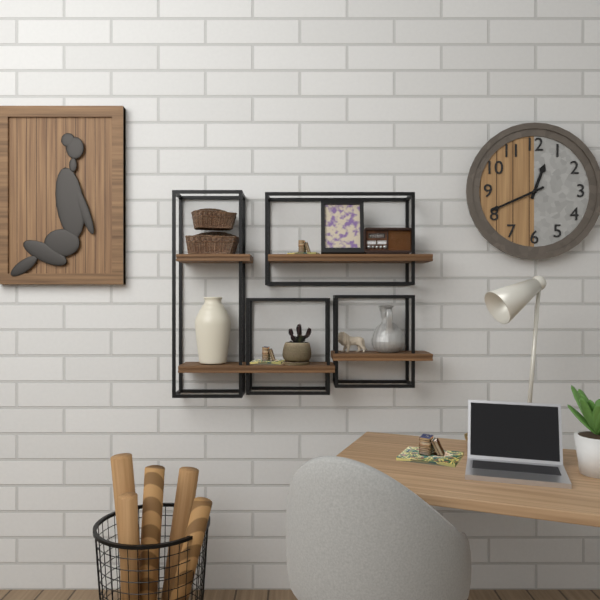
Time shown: {"hour": 12, "minute": 41}
